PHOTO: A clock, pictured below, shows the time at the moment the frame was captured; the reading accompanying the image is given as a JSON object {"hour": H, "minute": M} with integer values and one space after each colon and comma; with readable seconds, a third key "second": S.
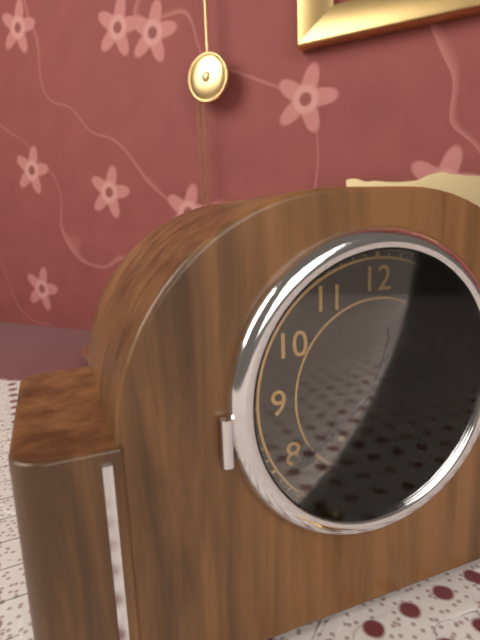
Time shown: {"hour": 12, "minute": 39}
